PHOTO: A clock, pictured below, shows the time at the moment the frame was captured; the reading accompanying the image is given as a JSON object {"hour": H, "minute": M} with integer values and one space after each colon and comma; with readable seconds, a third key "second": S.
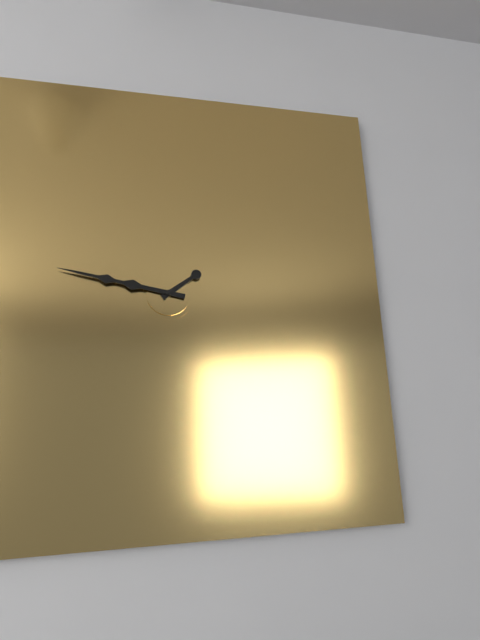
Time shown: {"hour": 1, "minute": 47}
